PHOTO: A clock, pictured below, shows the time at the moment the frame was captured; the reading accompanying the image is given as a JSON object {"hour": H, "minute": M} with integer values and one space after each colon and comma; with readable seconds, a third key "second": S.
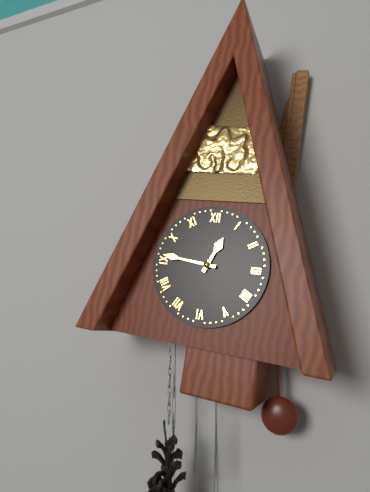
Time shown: {"hour": 12, "minute": 46}
